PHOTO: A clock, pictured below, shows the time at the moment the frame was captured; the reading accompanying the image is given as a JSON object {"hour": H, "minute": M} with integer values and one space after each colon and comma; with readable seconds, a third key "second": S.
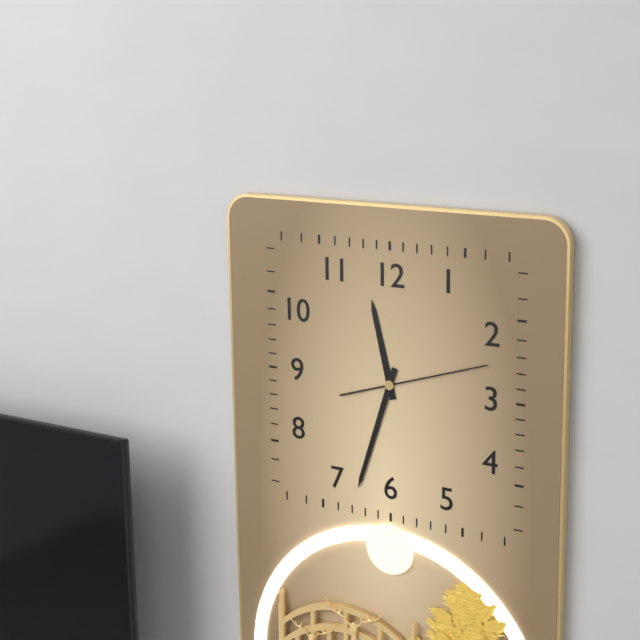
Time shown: {"hour": 11, "minute": 33, "second": 12}
